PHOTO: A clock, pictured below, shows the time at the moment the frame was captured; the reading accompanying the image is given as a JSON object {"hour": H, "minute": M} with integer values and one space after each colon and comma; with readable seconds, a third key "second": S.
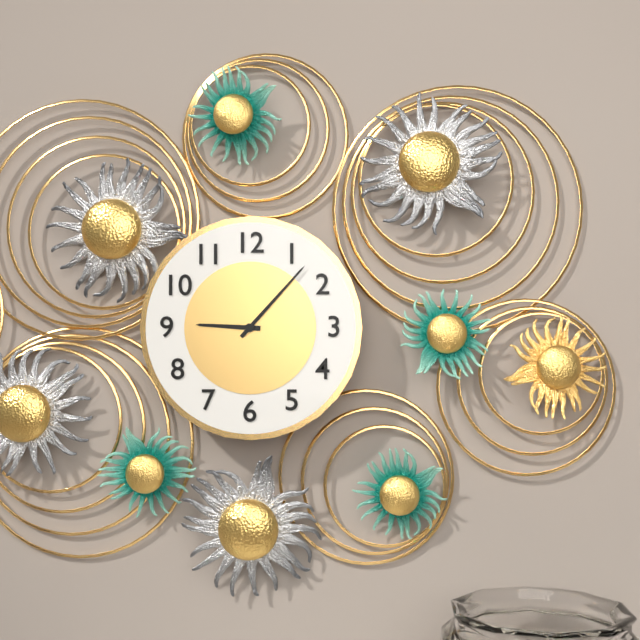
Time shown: {"hour": 9, "minute": 7}
